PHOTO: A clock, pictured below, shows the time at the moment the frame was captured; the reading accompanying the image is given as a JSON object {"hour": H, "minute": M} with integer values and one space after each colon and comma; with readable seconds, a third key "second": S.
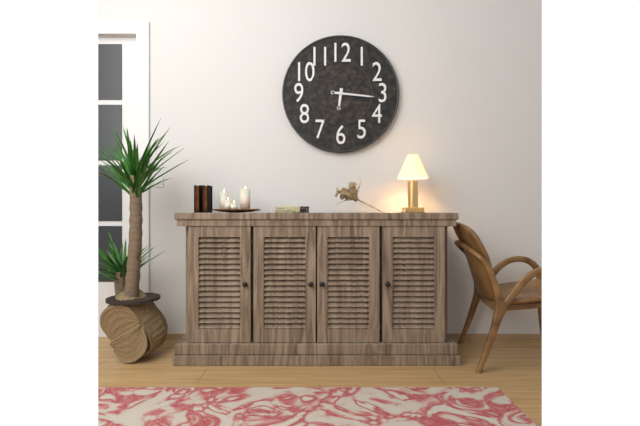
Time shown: {"hour": 6, "minute": 16}
